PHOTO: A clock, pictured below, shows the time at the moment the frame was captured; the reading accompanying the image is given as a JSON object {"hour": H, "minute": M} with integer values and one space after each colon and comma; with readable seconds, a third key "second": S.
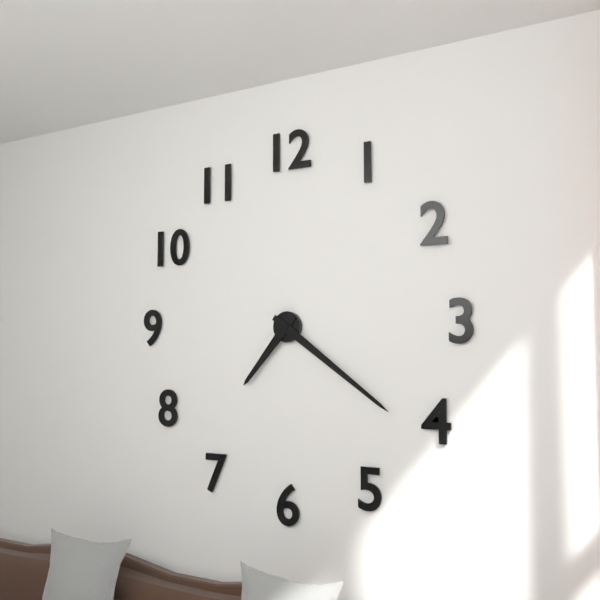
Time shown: {"hour": 7, "minute": 21}
